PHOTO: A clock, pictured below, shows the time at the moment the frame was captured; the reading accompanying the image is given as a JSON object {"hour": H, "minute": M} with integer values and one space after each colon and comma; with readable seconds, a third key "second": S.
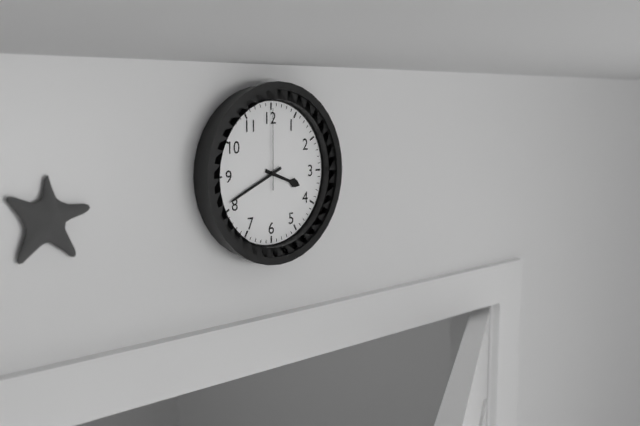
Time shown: {"hour": 3, "minute": 41, "second": 0}
